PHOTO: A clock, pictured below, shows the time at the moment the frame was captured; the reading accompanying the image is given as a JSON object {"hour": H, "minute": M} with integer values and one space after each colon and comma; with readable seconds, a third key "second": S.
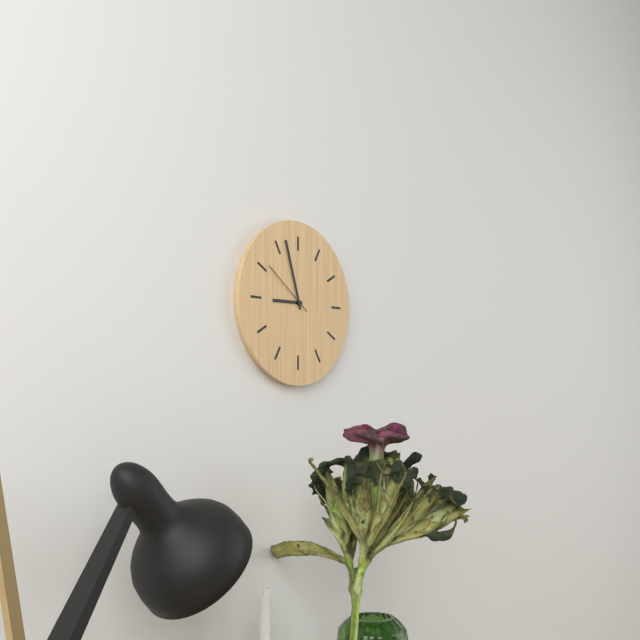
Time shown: {"hour": 8, "minute": 57, "second": 51}
